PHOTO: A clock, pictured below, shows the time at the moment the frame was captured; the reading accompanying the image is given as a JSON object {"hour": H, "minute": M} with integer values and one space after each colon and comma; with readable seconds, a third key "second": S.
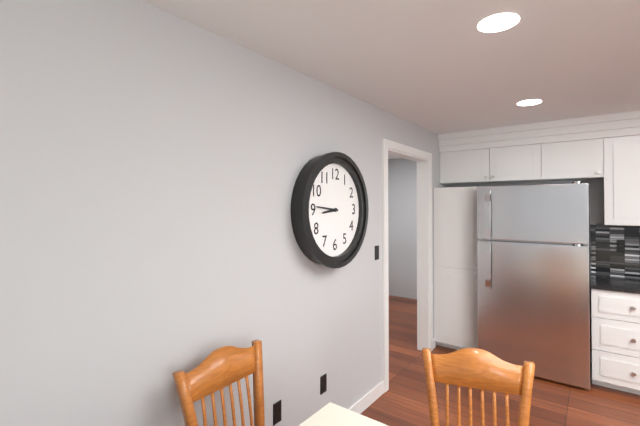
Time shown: {"hour": 8, "minute": 46}
